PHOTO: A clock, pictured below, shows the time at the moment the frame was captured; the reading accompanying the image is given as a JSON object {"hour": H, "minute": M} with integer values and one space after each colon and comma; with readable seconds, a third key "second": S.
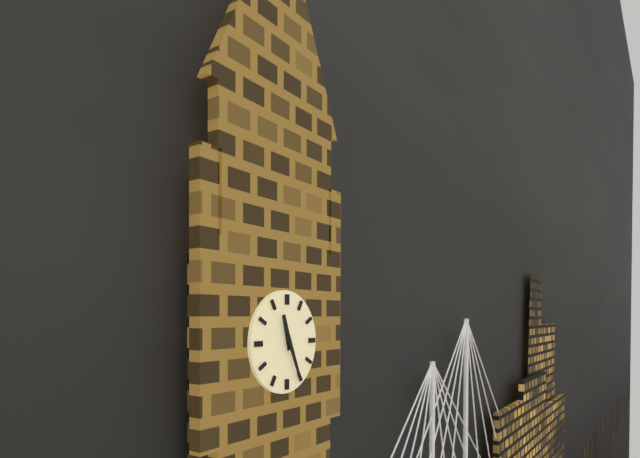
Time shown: {"hour": 11, "minute": 26}
